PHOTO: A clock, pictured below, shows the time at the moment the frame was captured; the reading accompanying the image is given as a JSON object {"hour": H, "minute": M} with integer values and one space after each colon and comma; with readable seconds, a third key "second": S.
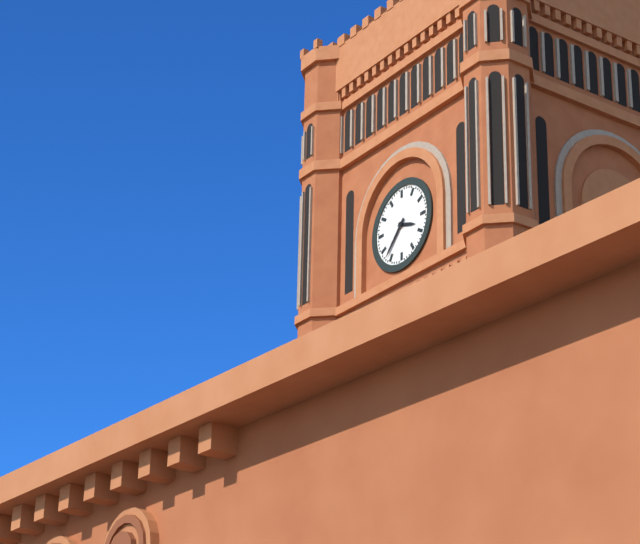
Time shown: {"hour": 3, "minute": 37}
